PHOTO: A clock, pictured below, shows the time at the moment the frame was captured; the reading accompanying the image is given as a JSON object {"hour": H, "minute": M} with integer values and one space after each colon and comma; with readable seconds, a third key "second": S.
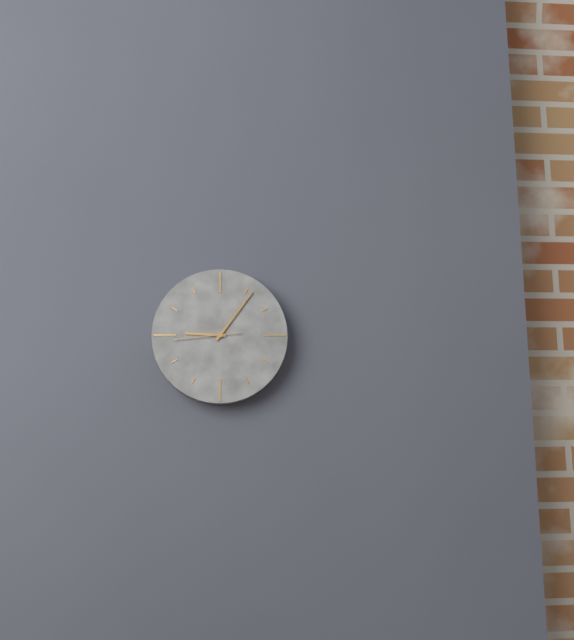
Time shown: {"hour": 9, "minute": 6, "second": 44}
